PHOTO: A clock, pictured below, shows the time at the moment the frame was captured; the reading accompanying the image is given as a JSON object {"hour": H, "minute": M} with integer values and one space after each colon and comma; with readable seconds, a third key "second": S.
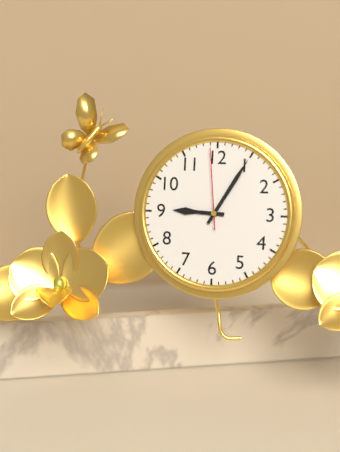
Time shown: {"hour": 9, "minute": 5, "second": 59}
